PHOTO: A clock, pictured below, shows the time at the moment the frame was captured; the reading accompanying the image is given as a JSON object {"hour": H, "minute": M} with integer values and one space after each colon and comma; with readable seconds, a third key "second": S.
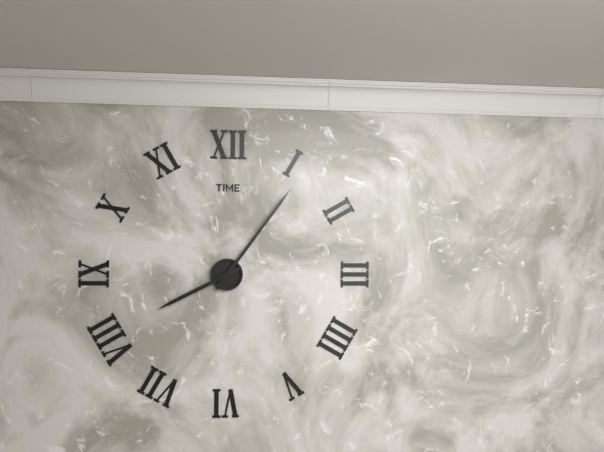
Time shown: {"hour": 8, "minute": 6}
